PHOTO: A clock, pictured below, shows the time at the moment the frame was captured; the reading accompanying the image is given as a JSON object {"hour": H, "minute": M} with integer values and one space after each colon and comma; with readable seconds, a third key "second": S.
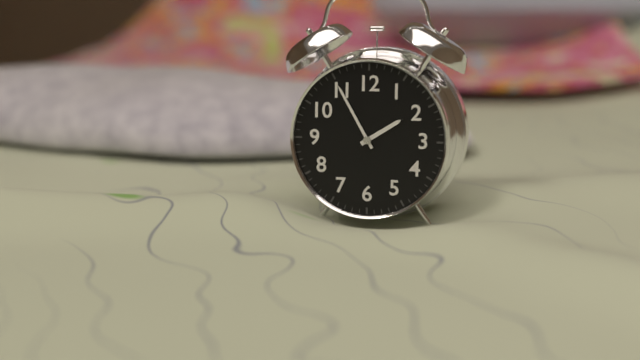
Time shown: {"hour": 1, "minute": 55}
